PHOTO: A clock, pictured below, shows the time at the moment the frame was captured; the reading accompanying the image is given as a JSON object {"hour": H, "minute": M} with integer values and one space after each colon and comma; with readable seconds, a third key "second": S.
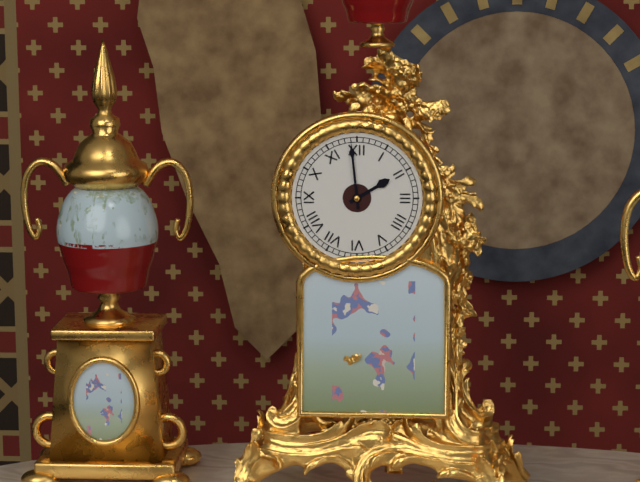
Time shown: {"hour": 1, "minute": 59}
